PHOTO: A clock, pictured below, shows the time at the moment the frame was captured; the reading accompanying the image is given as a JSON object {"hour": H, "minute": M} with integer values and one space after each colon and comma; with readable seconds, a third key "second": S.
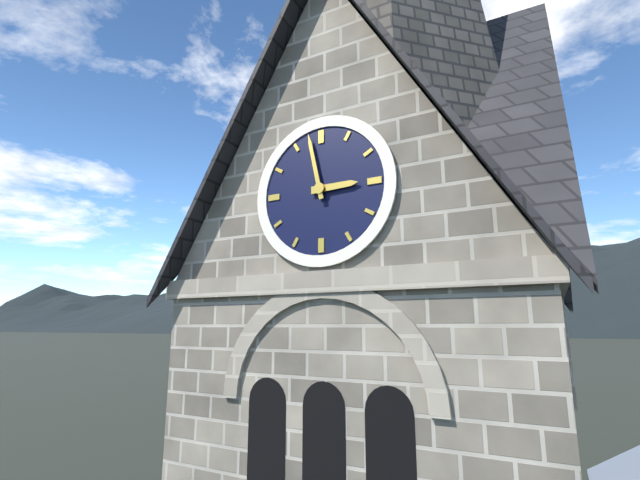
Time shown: {"hour": 2, "minute": 58}
